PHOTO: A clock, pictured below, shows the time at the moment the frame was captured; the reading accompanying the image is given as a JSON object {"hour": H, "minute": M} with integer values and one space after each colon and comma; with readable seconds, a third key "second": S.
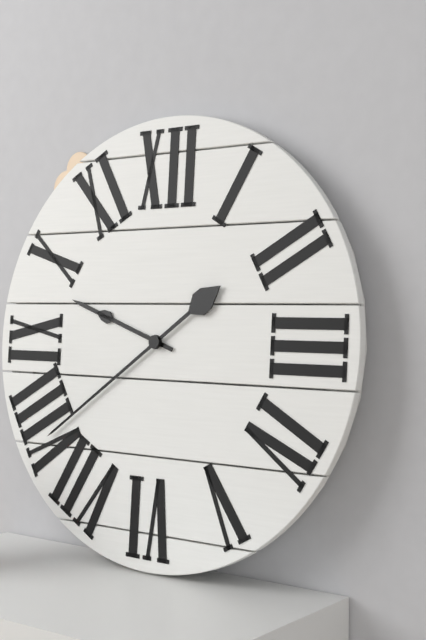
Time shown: {"hour": 9, "minute": 39}
